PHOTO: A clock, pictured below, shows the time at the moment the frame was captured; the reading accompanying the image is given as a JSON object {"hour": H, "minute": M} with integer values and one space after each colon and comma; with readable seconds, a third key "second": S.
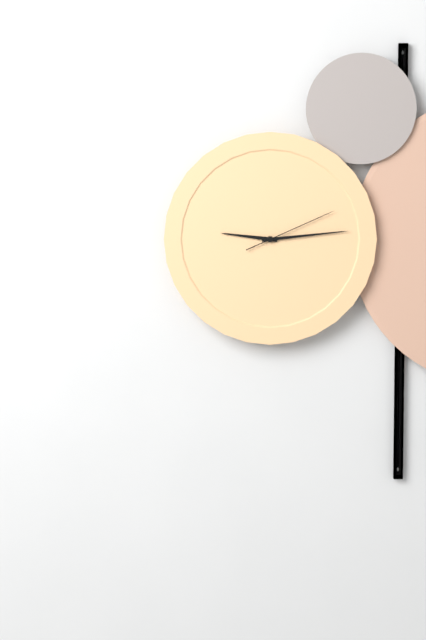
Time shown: {"hour": 9, "minute": 14, "second": 11}
